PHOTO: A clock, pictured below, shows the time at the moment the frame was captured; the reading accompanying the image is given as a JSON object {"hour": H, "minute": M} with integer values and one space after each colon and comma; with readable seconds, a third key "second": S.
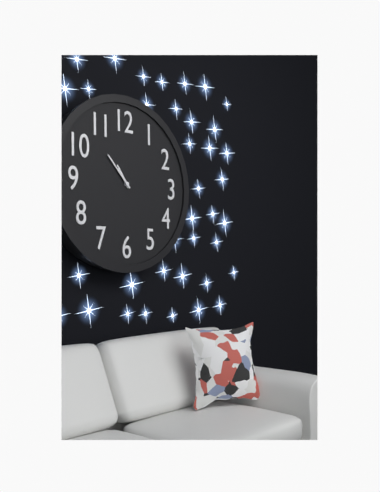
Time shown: {"hour": 10, "minute": 53}
